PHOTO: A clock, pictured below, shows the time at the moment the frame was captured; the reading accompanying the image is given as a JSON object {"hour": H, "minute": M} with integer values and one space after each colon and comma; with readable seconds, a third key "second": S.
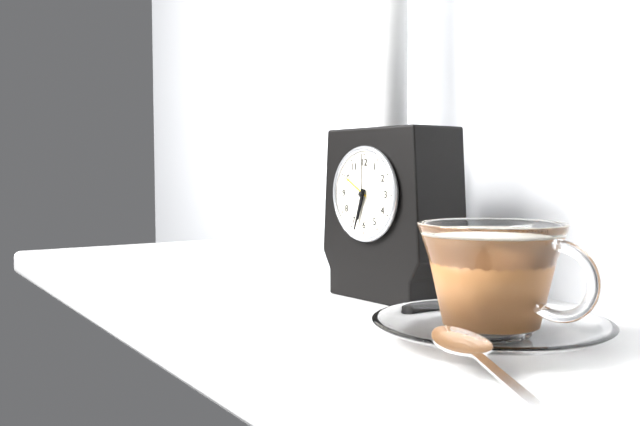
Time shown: {"hour": 6, "minute": 33, "second": 0}
